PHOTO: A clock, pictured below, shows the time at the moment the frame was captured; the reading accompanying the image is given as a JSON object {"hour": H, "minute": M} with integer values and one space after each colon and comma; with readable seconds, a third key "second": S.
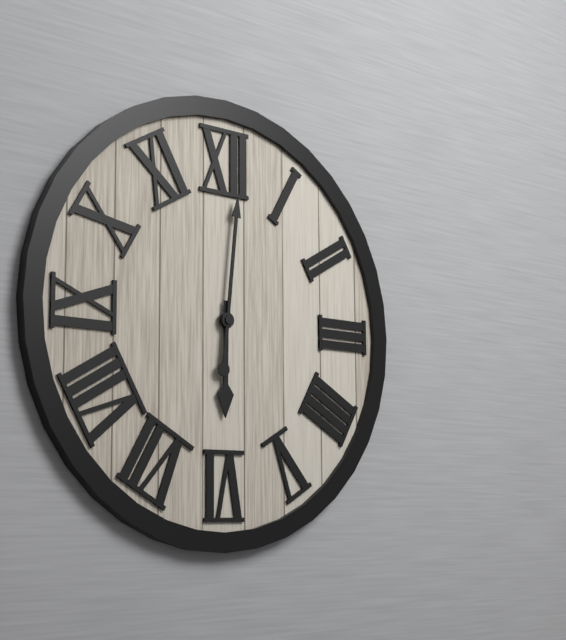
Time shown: {"hour": 6, "minute": 1}
